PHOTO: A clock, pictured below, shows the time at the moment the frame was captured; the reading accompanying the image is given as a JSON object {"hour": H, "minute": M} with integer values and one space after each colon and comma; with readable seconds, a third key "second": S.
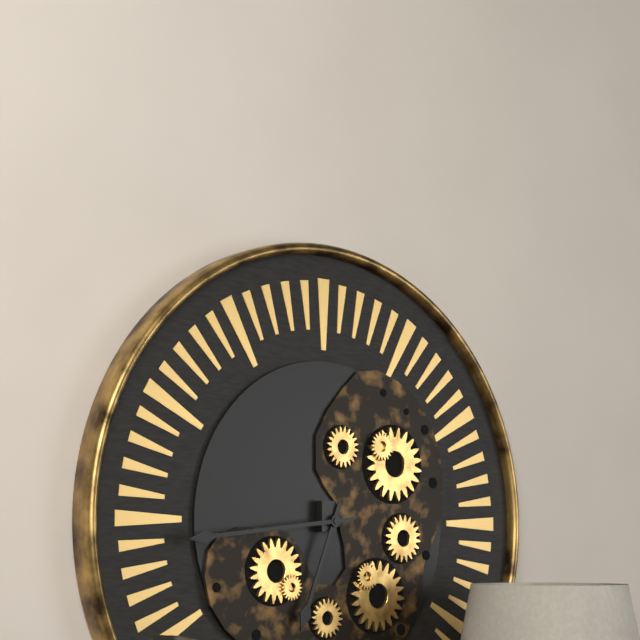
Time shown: {"hour": 6, "minute": 44}
